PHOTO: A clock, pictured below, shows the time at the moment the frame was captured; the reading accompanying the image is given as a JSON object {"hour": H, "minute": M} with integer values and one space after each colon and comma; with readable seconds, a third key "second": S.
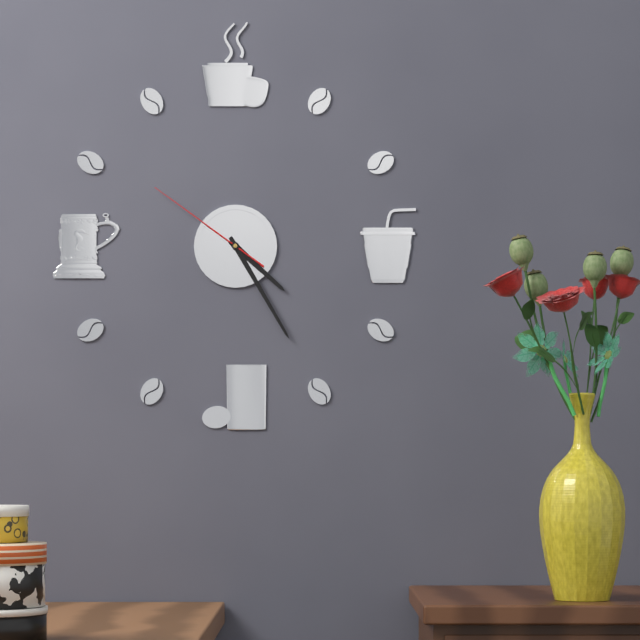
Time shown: {"hour": 4, "minute": 25, "second": 51}
